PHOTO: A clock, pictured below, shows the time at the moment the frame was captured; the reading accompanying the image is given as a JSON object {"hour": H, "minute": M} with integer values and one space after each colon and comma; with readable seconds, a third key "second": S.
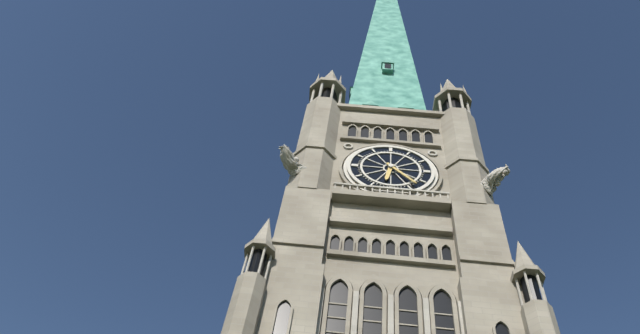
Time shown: {"hour": 6, "minute": 23}
